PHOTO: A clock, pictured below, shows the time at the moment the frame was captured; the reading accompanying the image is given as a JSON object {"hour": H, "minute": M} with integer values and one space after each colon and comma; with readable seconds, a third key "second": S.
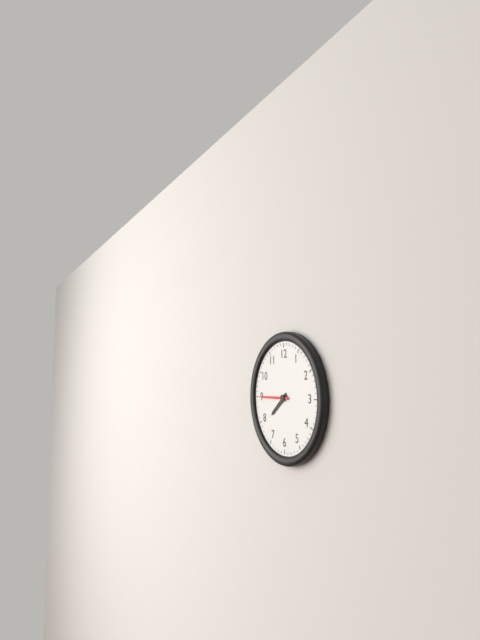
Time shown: {"hour": 7, "minute": 45}
